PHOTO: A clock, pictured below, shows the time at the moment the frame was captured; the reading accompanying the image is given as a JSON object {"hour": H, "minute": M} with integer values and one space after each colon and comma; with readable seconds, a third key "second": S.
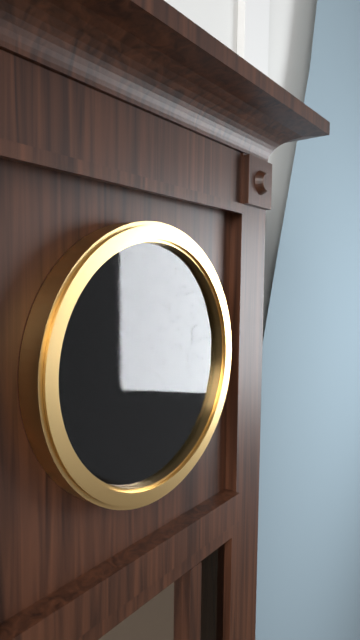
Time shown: {"hour": 9, "minute": 6}
